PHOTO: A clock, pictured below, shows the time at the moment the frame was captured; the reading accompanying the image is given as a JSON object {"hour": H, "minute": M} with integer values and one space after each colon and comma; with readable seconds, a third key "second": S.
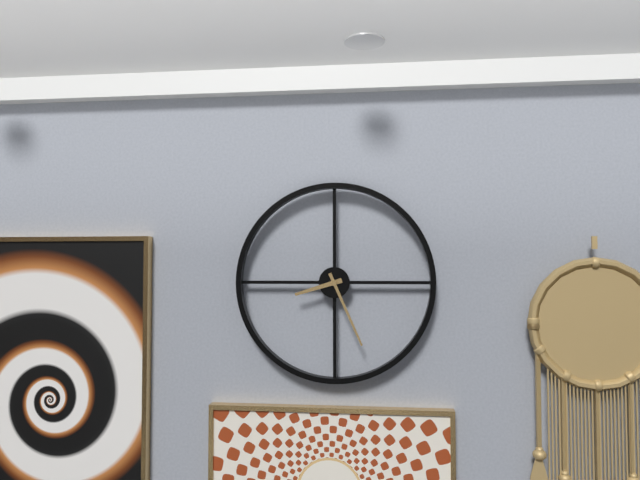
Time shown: {"hour": 8, "minute": 26}
